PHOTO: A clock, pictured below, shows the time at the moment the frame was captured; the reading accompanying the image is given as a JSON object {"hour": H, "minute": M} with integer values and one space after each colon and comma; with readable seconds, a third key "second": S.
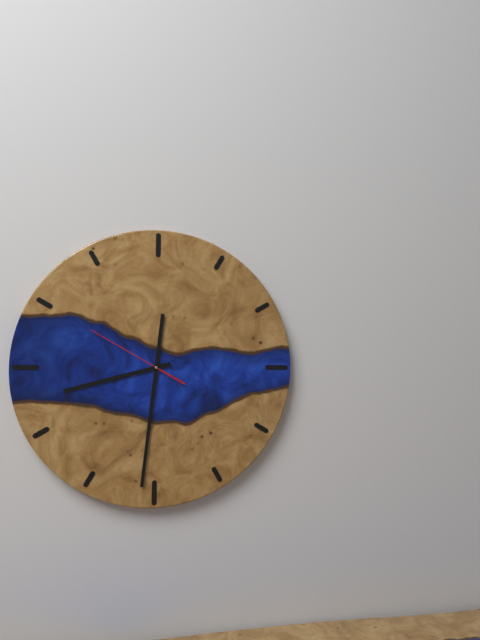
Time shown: {"hour": 8, "minute": 31, "second": 50}
